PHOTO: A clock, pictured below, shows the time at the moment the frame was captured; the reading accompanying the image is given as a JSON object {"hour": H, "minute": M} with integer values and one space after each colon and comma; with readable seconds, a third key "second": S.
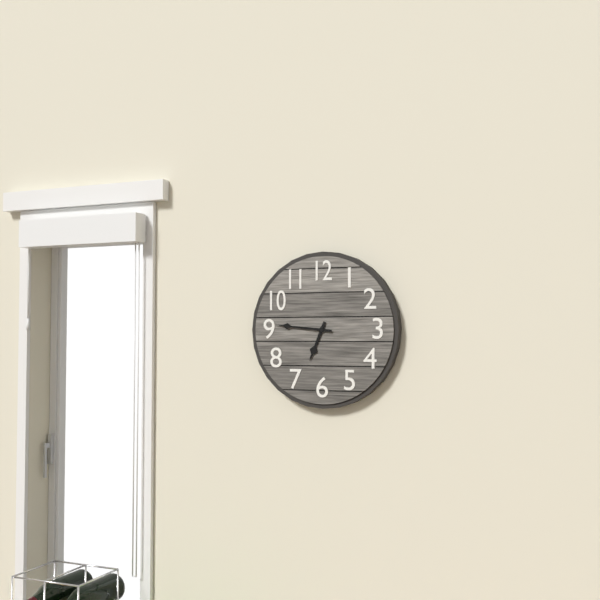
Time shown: {"hour": 6, "minute": 46}
